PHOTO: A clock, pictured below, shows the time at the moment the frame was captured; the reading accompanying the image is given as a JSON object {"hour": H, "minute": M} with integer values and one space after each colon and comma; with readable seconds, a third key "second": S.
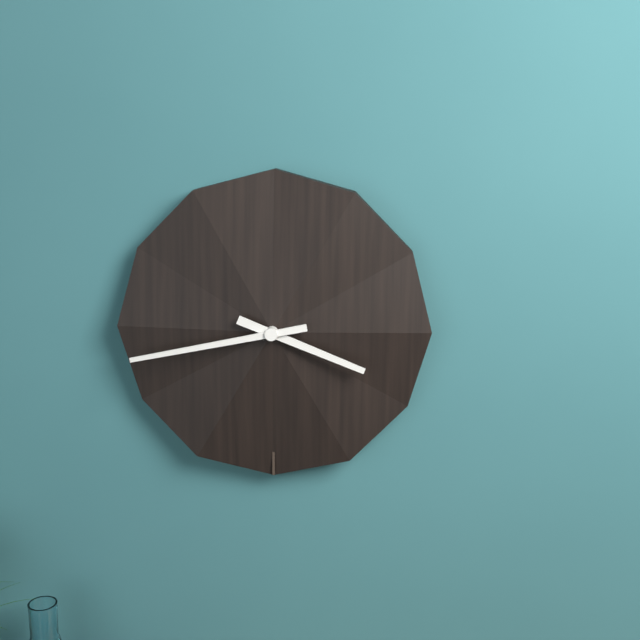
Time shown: {"hour": 3, "minute": 43}
